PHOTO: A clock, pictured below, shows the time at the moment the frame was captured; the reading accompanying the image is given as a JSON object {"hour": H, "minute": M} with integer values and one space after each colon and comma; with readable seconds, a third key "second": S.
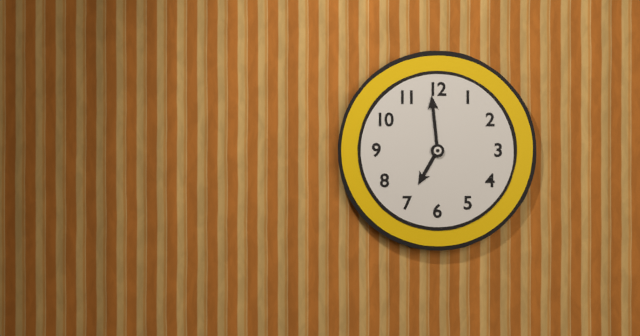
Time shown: {"hour": 6, "minute": 59}
